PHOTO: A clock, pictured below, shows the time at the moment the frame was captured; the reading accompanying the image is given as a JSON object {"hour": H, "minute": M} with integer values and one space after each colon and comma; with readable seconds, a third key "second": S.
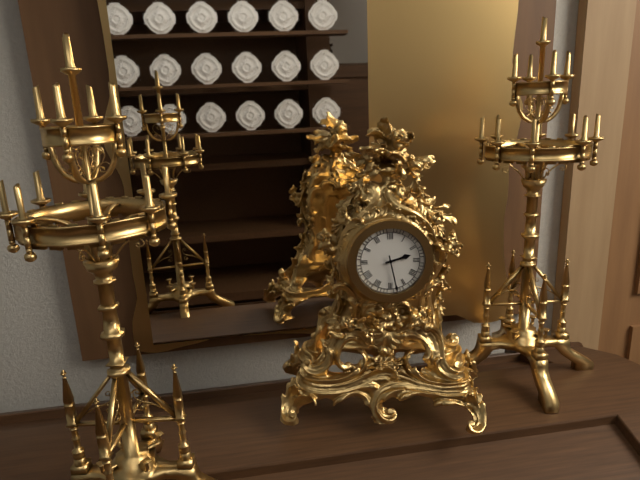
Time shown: {"hour": 2, "minute": 28}
